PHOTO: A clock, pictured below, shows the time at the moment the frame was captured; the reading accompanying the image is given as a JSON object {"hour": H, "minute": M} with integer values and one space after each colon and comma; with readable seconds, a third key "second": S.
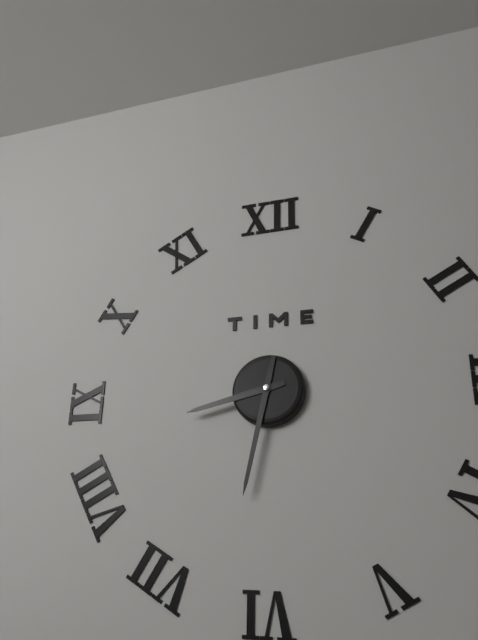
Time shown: {"hour": 8, "minute": 32}
